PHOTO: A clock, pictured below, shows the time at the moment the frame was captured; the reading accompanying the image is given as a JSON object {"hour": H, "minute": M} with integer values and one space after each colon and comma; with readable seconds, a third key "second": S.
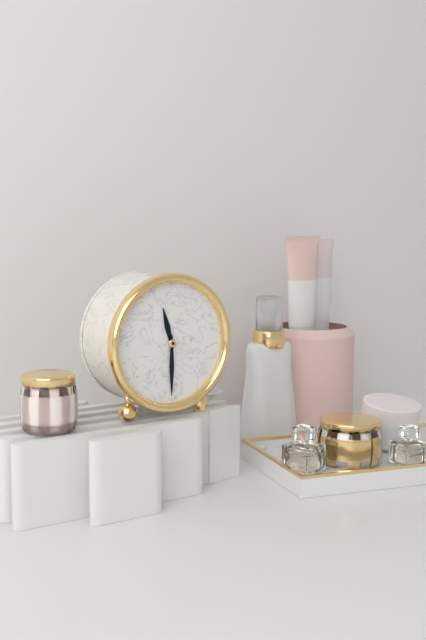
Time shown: {"hour": 11, "minute": 30}
